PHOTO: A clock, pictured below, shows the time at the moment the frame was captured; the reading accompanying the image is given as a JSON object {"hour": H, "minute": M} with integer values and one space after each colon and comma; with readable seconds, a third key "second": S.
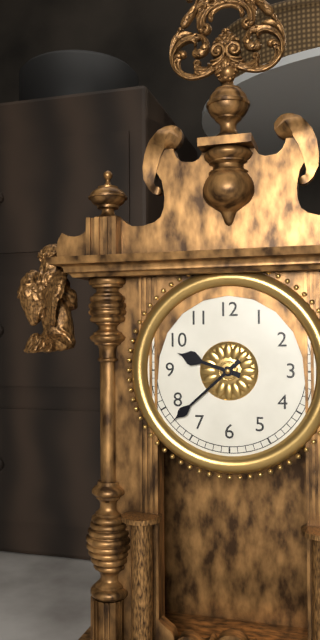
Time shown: {"hour": 9, "minute": 38}
